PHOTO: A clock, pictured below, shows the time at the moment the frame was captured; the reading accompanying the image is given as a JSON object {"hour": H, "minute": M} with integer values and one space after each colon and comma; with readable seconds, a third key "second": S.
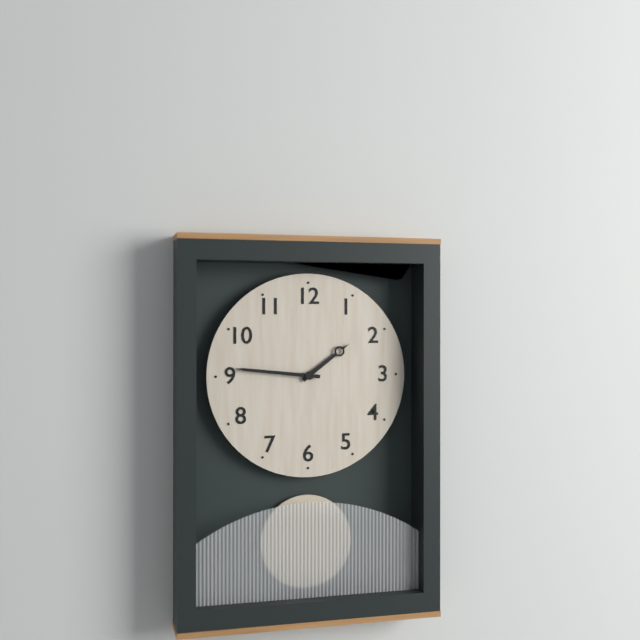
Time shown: {"hour": 1, "minute": 46}
